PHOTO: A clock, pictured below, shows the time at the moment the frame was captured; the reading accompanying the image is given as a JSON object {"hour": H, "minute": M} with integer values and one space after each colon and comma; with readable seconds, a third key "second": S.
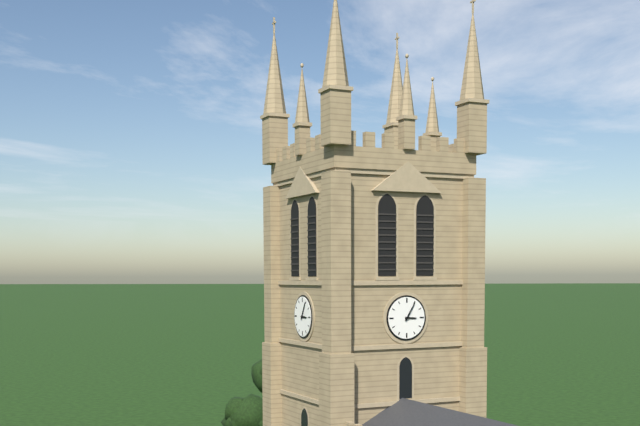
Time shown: {"hour": 3, "minute": 5}
